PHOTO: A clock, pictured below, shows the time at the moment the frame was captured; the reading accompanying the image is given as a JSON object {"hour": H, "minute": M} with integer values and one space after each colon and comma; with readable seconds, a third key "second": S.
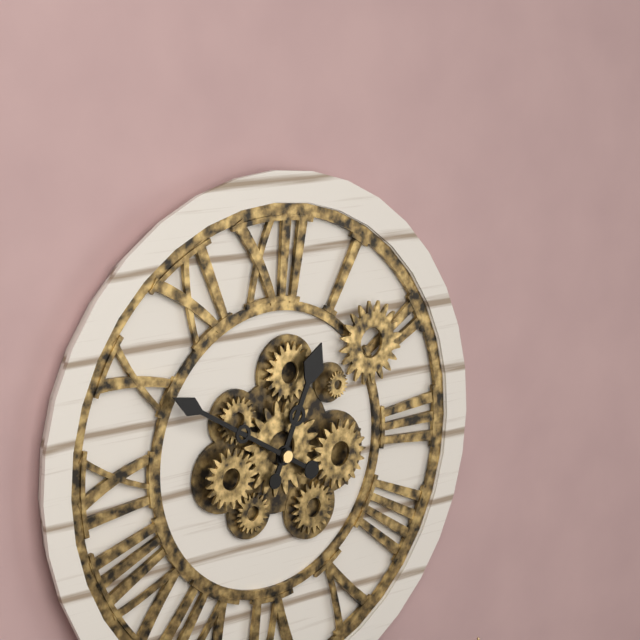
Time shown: {"hour": 12, "minute": 50}
